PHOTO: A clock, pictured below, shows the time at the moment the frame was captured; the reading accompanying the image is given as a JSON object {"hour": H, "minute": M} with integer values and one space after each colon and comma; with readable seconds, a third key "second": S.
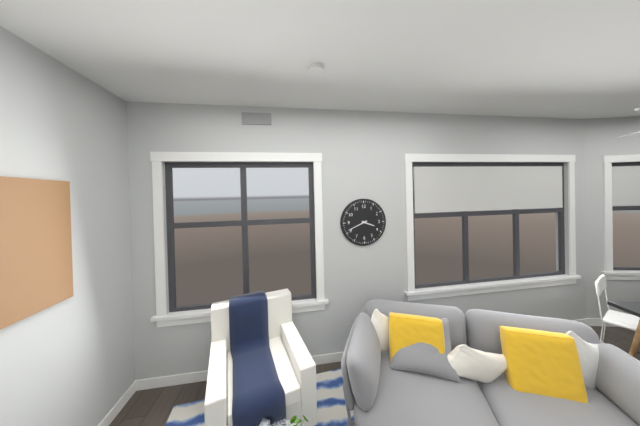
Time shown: {"hour": 3, "minute": 41}
